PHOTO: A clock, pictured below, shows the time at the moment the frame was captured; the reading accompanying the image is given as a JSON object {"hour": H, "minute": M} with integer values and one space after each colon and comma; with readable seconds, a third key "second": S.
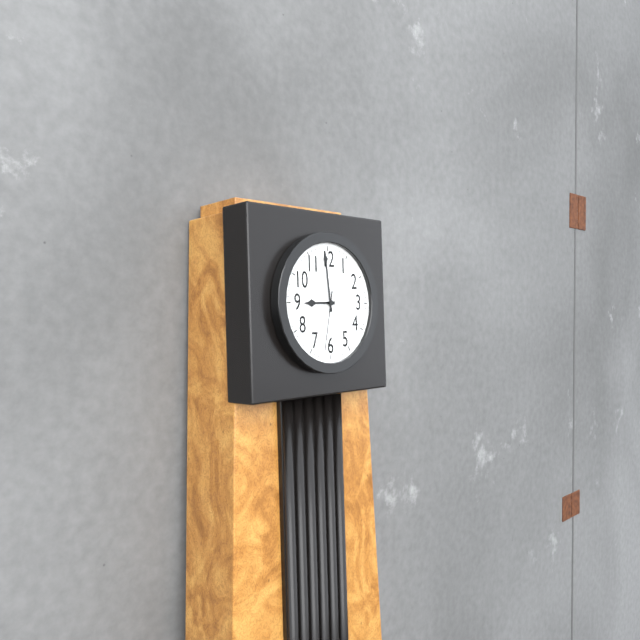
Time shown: {"hour": 8, "minute": 59, "second": 32}
